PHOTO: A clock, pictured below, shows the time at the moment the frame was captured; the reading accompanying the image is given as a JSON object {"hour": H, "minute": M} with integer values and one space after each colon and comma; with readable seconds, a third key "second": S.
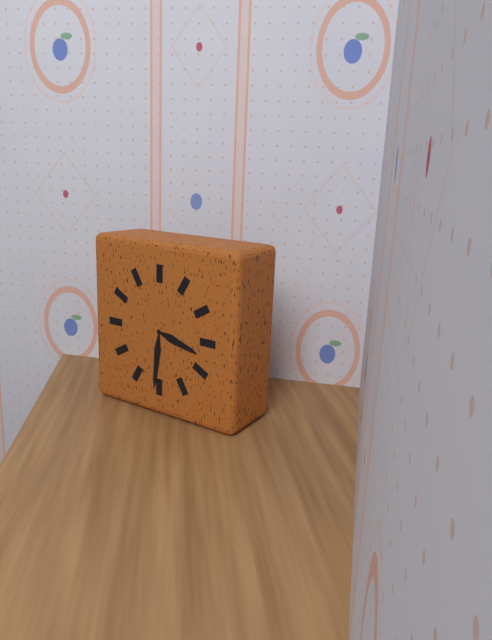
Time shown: {"hour": 3, "minute": 31}
